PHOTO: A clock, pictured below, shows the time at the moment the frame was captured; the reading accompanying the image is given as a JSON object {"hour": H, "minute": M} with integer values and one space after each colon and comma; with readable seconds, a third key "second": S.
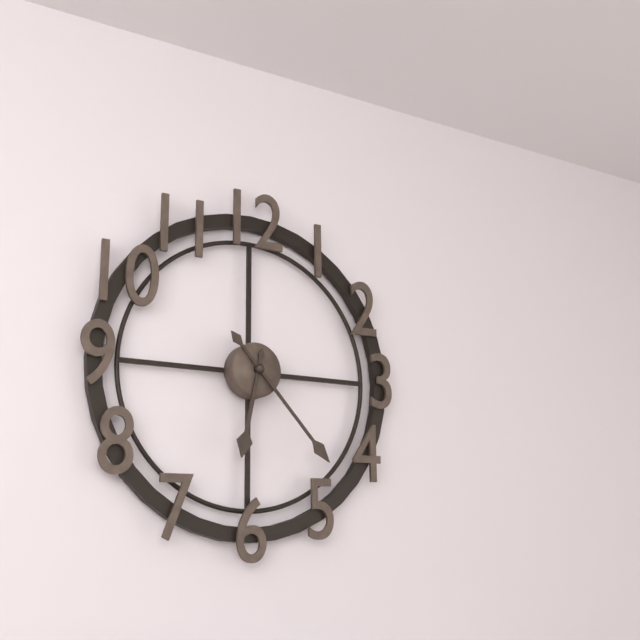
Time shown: {"hour": 6, "minute": 23}
